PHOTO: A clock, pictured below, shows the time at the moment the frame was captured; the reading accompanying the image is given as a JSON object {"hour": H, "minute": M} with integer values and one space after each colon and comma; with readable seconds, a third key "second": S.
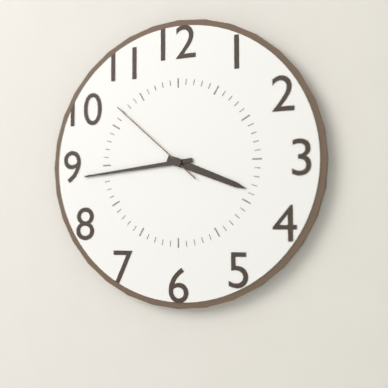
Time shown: {"hour": 3, "minute": 44, "second": 52}
